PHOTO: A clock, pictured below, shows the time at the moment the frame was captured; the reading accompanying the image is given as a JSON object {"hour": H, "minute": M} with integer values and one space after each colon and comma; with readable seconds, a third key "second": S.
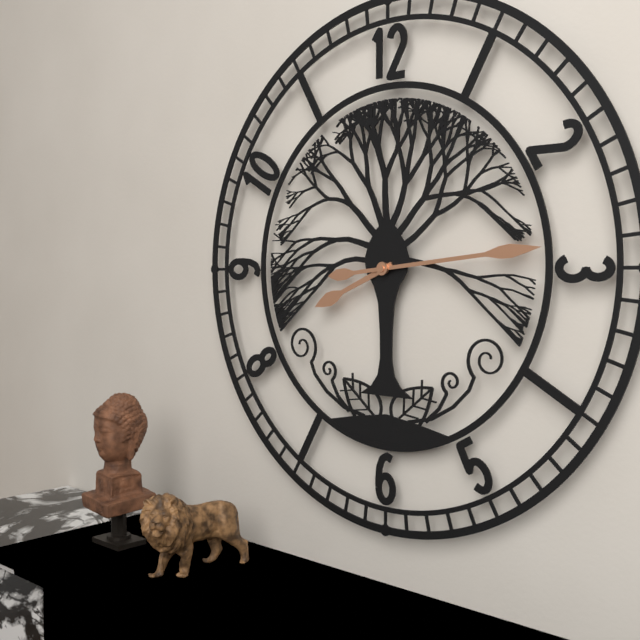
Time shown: {"hour": 8, "minute": 14}
